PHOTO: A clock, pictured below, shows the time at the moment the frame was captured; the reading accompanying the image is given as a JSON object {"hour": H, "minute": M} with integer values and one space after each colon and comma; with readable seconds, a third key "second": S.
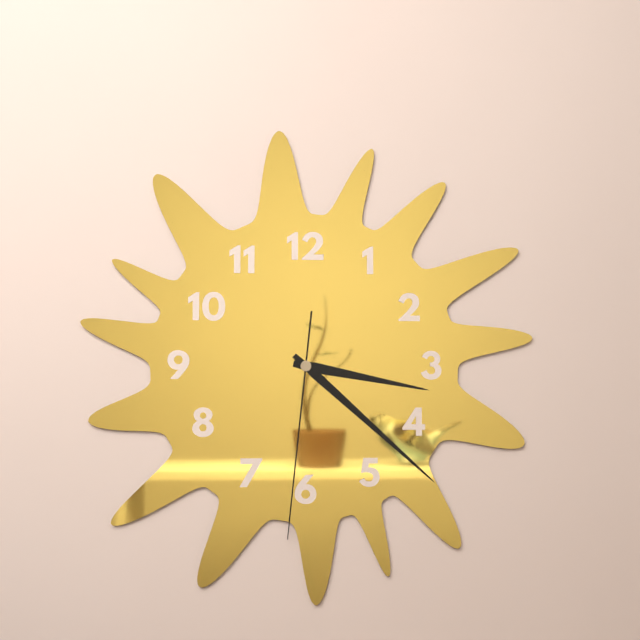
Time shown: {"hour": 3, "minute": 22, "second": 31}
